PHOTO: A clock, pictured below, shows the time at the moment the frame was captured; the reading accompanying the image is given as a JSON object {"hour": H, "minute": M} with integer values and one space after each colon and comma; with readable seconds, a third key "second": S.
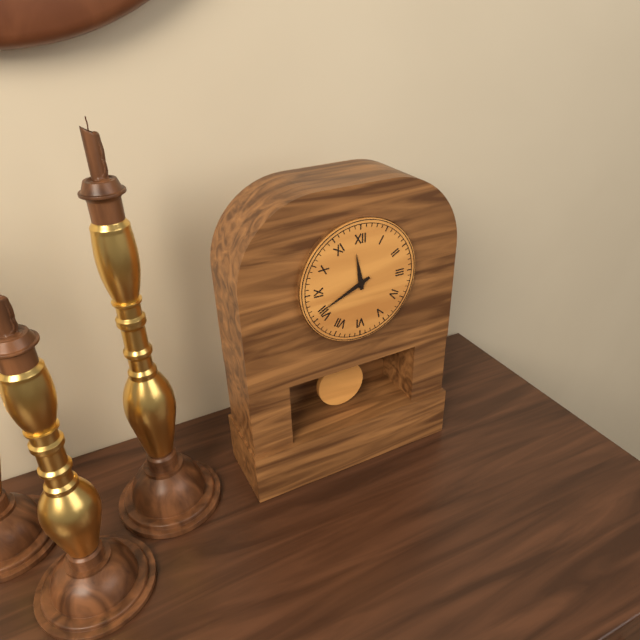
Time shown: {"hour": 11, "minute": 41}
